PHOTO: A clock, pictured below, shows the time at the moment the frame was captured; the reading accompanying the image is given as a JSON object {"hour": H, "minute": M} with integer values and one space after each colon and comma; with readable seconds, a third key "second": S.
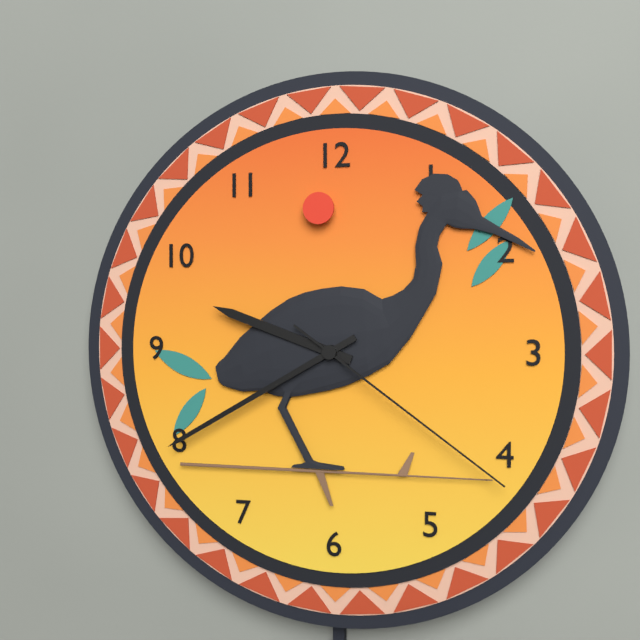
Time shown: {"hour": 9, "minute": 40, "second": 21}
